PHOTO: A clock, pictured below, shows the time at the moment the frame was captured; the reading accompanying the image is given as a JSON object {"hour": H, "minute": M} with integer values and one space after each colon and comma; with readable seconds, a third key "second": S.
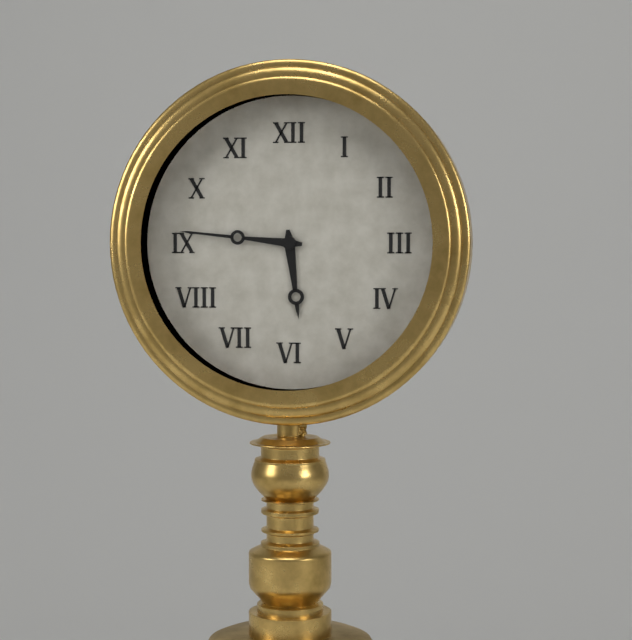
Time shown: {"hour": 5, "minute": 46}
